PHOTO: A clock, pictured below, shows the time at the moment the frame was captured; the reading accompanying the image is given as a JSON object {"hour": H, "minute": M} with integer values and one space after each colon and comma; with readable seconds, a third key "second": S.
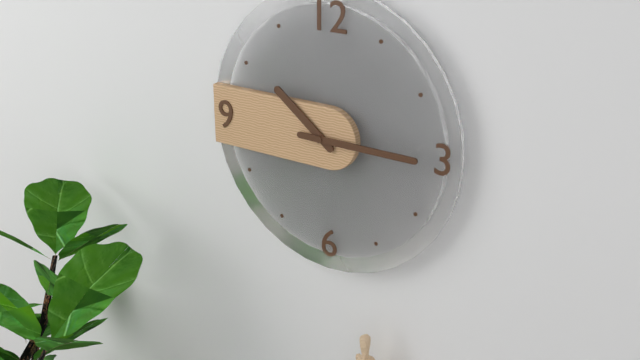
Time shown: {"hour": 10, "minute": 15}
